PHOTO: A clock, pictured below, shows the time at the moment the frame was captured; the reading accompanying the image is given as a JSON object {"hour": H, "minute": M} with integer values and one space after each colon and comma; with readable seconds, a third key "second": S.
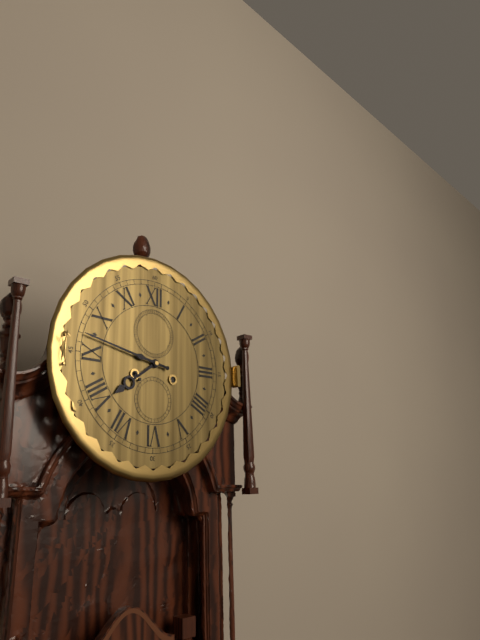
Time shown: {"hour": 7, "minute": 47}
